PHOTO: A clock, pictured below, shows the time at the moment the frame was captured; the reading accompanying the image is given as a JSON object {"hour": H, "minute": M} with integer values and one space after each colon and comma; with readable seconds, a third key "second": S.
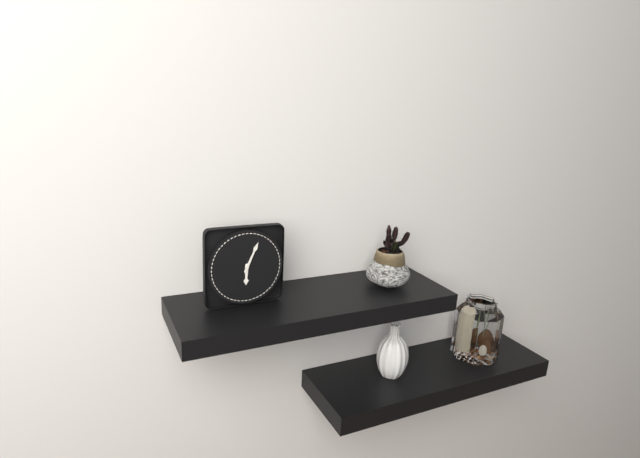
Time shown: {"hour": 6, "minute": 4}
